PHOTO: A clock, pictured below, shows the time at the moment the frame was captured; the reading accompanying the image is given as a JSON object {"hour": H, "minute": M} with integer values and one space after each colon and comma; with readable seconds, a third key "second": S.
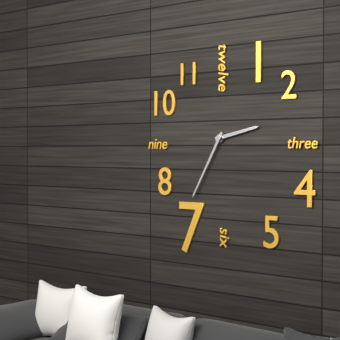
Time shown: {"hour": 2, "minute": 35}
